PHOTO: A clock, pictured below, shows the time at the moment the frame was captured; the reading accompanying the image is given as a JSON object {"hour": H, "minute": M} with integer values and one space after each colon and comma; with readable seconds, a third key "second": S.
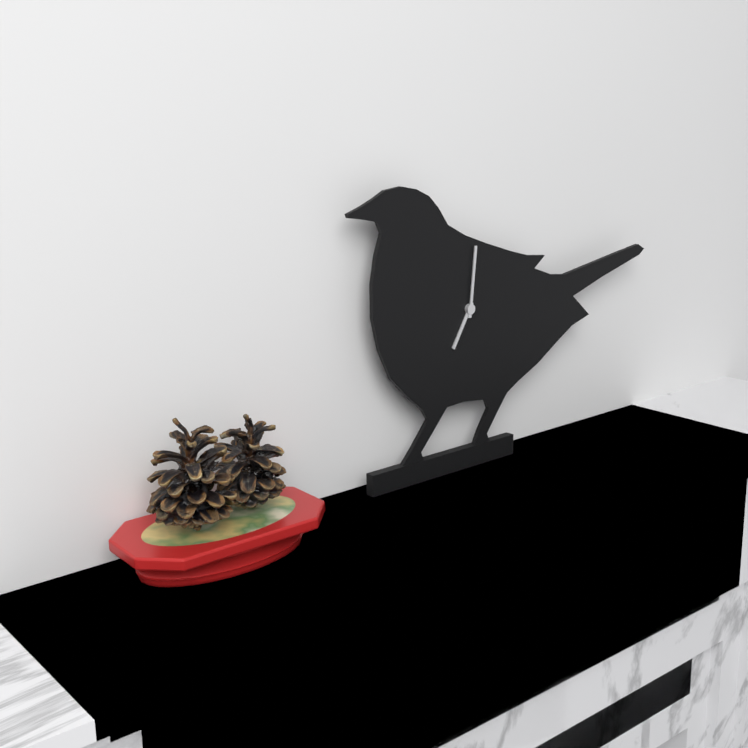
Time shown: {"hour": 7, "minute": 1}
